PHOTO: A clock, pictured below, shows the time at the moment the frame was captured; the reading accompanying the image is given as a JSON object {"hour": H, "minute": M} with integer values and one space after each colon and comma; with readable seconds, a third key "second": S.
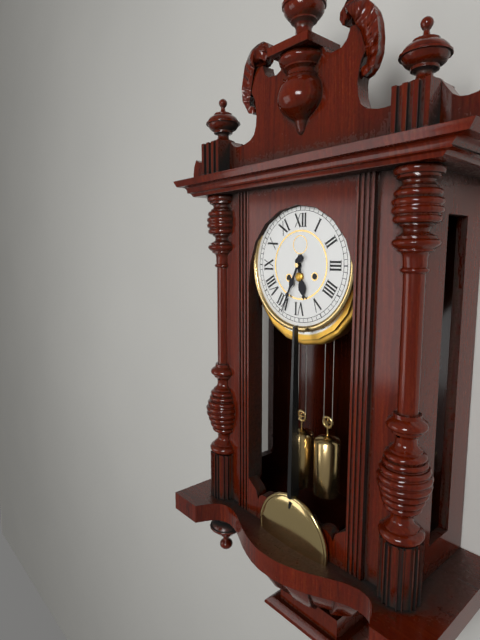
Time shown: {"hour": 5, "minute": 34}
